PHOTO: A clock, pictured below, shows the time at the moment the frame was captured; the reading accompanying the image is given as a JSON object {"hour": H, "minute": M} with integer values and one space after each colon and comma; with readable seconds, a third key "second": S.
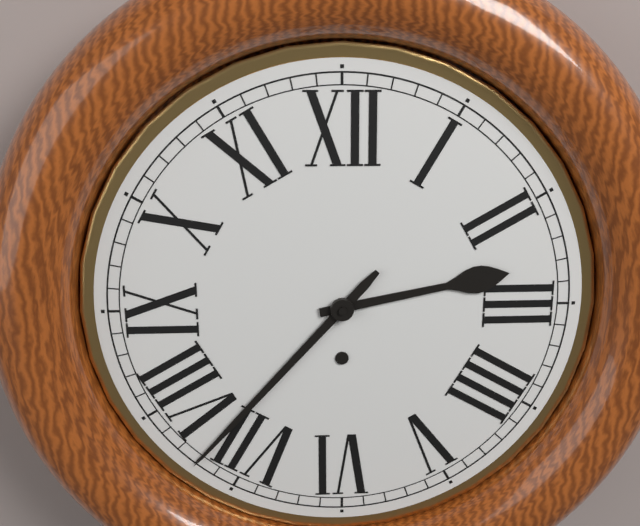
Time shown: {"hour": 2, "minute": 37}
